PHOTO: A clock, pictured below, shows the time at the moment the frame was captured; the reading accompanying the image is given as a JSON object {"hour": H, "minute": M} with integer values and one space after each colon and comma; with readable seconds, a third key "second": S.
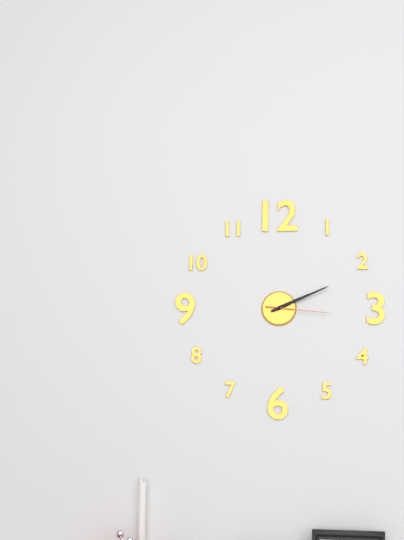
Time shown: {"hour": 2, "minute": 11, "second": 16}
